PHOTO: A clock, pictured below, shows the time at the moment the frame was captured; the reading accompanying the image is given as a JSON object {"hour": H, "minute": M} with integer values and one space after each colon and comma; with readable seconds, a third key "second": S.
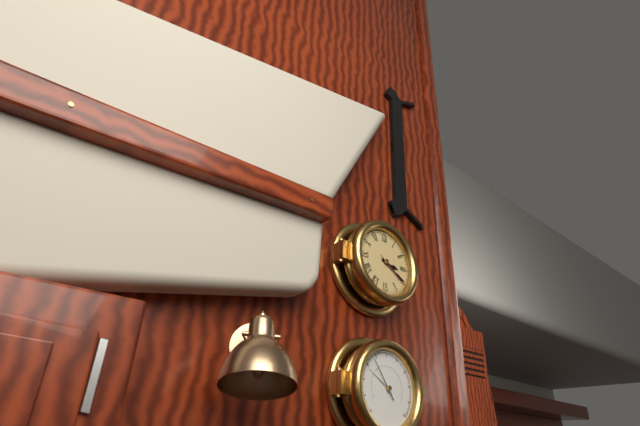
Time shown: {"hour": 3, "minute": 20, "second": 21}
